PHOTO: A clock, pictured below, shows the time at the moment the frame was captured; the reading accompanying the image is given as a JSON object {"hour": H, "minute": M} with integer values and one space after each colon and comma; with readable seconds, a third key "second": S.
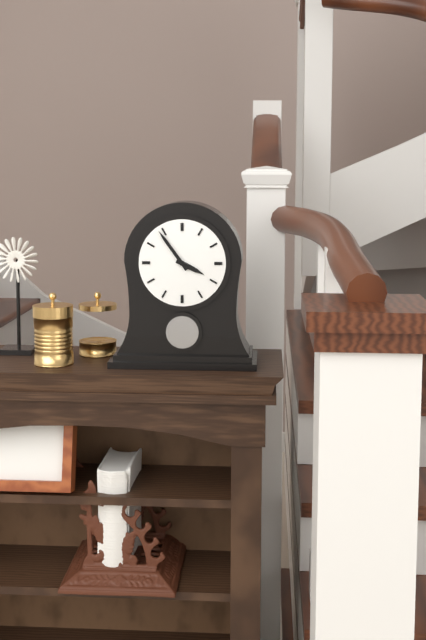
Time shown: {"hour": 3, "minute": 54}
